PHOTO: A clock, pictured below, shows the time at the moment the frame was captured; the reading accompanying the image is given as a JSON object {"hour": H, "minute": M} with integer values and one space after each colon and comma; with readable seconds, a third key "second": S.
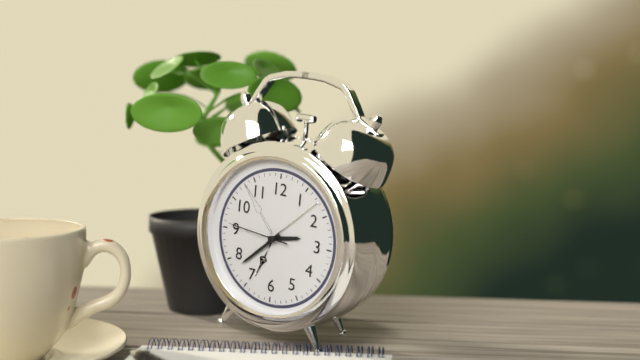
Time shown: {"hour": 2, "minute": 38, "second": 46}
